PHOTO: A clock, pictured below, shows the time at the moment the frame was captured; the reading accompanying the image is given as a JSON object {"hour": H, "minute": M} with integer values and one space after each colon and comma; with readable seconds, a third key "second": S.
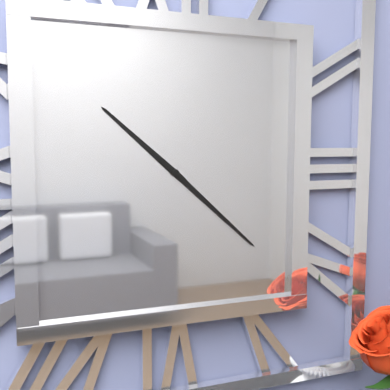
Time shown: {"hour": 10, "minute": 22}
